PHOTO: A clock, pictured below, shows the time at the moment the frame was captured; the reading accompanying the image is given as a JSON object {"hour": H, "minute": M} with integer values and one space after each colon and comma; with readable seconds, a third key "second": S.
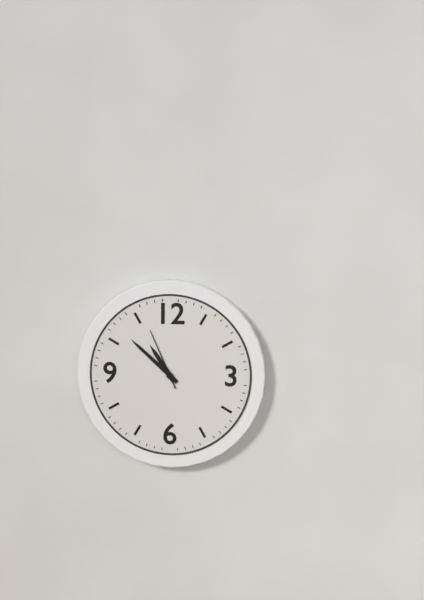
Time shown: {"hour": 10, "minute": 52, "second": 56}
